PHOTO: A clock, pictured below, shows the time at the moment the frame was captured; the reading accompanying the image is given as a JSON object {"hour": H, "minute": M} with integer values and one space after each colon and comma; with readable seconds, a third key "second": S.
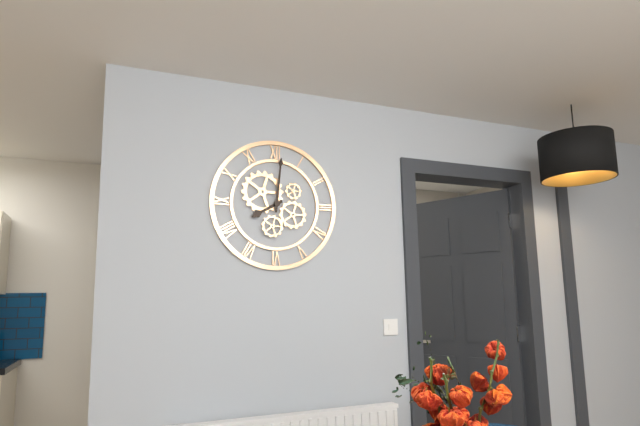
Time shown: {"hour": 8, "minute": 1}
